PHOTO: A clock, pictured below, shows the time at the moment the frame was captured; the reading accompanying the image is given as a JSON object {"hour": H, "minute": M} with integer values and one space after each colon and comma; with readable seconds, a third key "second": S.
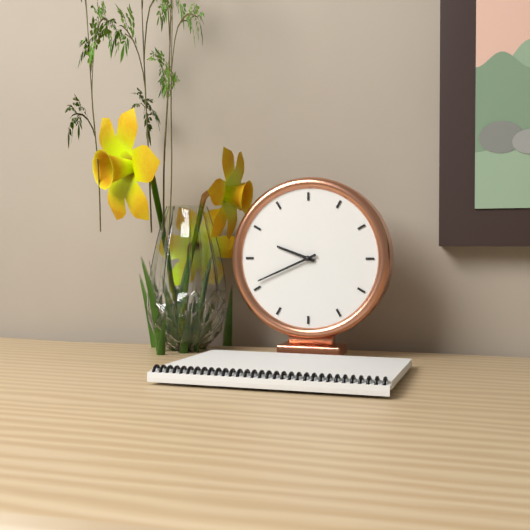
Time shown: {"hour": 9, "minute": 41}
